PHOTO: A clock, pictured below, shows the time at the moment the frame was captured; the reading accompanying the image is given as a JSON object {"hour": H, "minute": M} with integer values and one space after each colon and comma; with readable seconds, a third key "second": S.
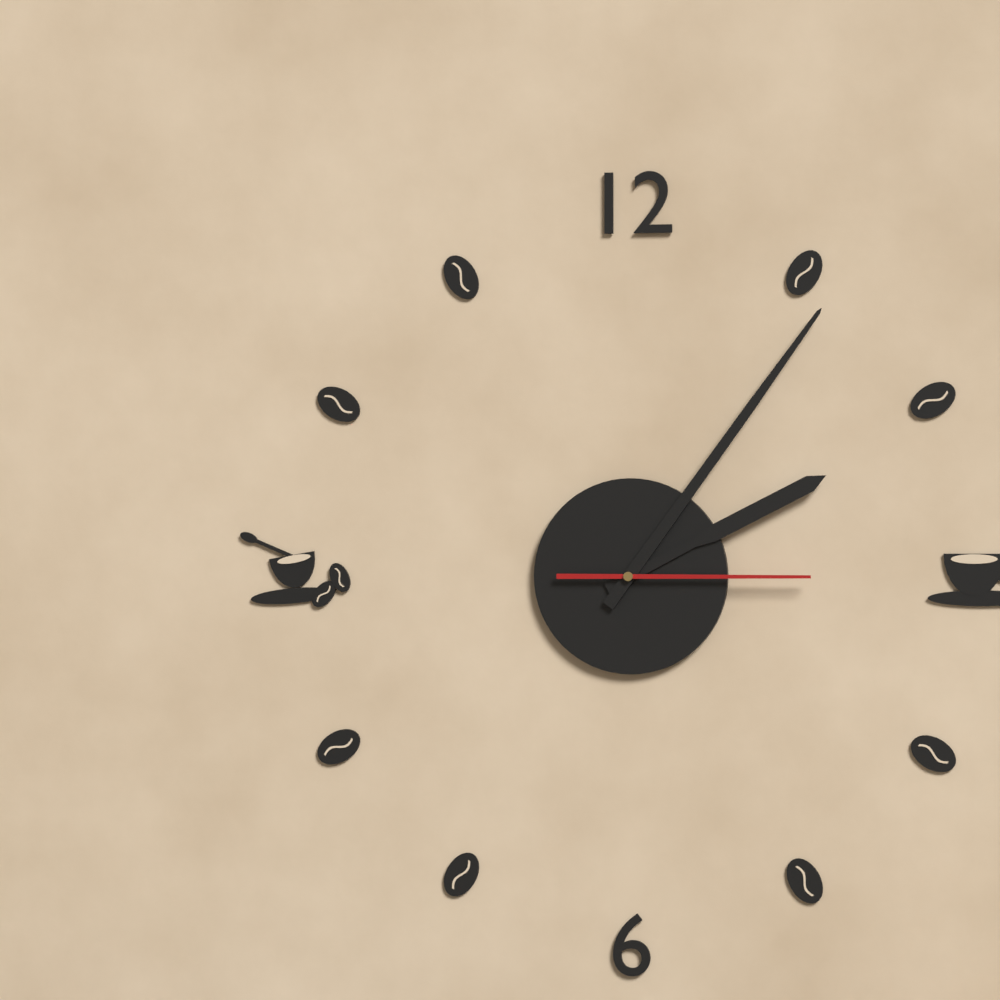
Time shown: {"hour": 2, "minute": 6, "second": 15}
